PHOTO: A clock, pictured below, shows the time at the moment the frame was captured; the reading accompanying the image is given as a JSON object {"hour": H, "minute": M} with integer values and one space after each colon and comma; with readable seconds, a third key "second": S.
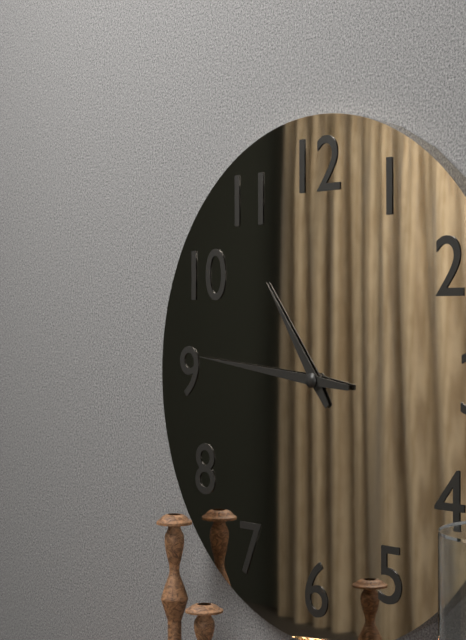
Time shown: {"hour": 10, "minute": 46}
